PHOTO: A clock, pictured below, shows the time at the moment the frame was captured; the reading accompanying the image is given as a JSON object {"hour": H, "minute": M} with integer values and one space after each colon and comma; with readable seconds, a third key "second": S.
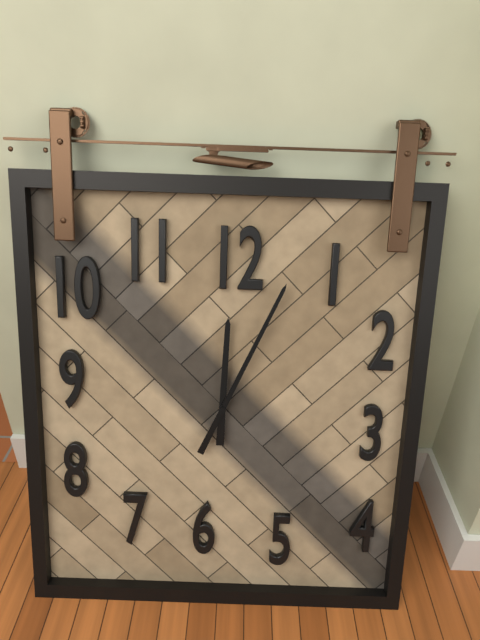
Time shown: {"hour": 12, "minute": 4}
